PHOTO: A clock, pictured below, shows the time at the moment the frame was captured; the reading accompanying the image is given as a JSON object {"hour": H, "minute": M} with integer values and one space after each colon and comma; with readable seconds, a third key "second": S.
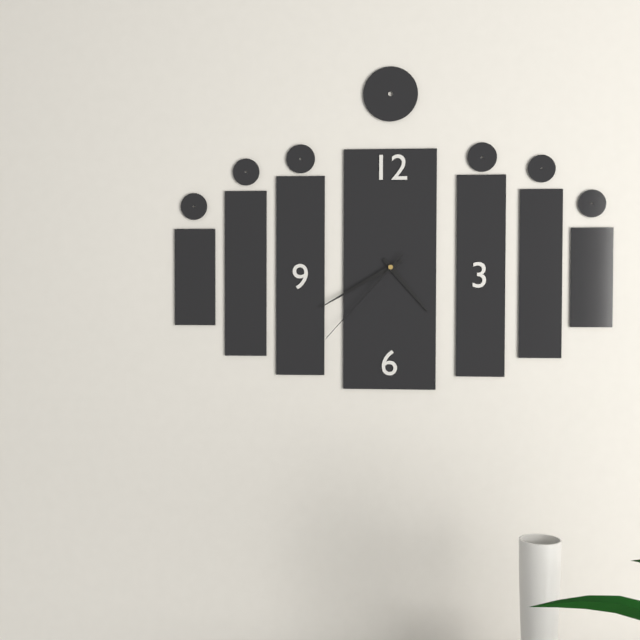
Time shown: {"hour": 4, "minute": 40, "second": 37}
